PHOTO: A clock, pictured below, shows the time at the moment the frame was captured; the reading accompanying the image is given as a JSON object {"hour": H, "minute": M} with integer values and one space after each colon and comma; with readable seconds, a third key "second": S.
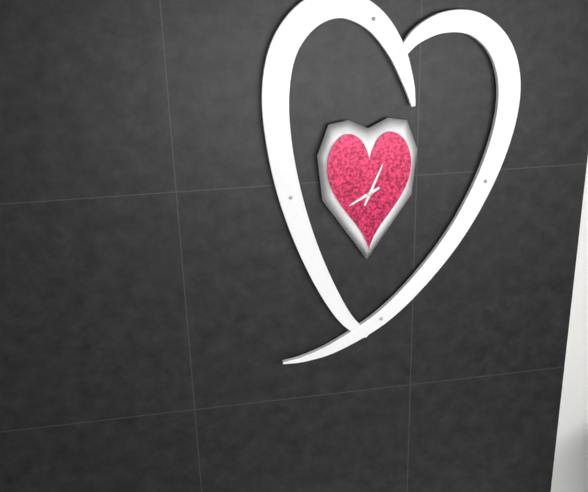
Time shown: {"hour": 8, "minute": 4}
